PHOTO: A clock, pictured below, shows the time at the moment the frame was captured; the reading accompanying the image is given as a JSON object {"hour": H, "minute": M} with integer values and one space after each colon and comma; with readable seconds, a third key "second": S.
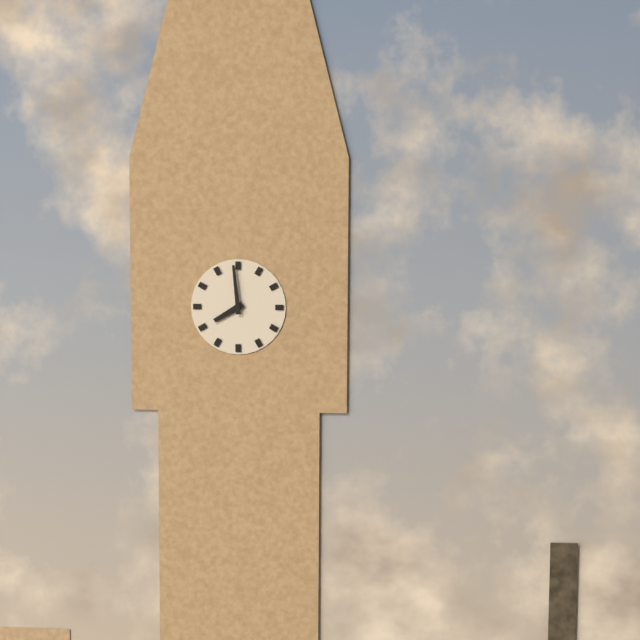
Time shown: {"hour": 7, "minute": 59}
